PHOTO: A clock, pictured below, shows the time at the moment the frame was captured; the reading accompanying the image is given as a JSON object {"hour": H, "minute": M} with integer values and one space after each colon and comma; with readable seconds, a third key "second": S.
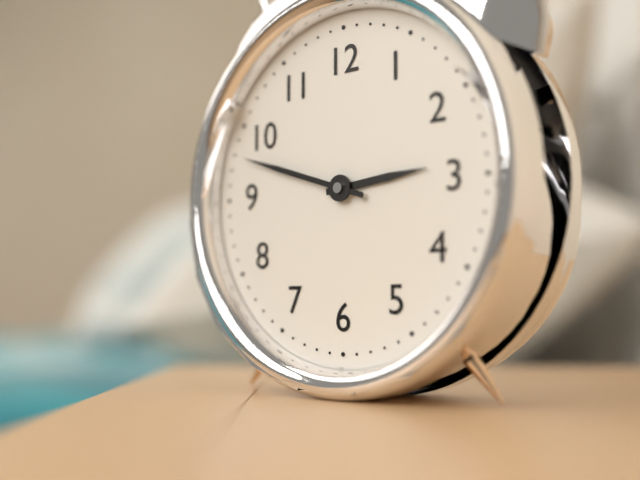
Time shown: {"hour": 2, "minute": 48}
